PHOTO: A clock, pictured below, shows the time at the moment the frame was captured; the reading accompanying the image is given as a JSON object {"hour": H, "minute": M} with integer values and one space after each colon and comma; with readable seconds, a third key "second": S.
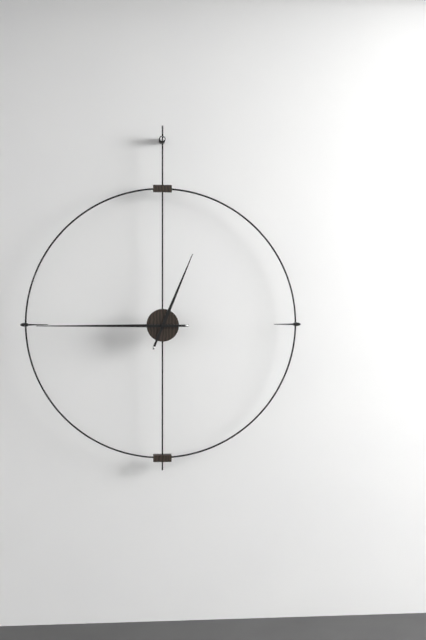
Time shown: {"hour": 12, "minute": 45}
